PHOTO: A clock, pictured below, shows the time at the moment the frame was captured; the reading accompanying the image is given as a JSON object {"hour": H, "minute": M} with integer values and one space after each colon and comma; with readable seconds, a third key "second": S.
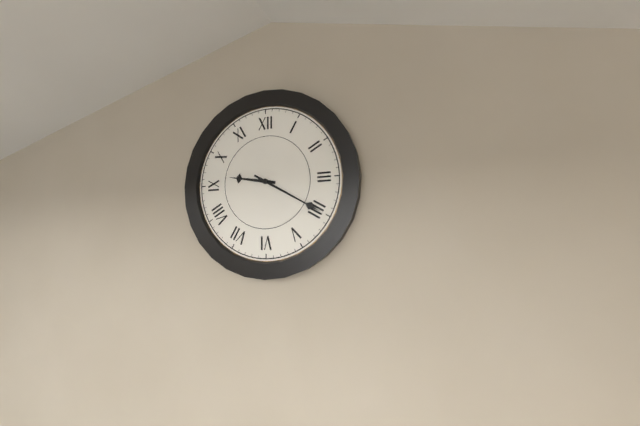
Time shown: {"hour": 9, "minute": 20}
